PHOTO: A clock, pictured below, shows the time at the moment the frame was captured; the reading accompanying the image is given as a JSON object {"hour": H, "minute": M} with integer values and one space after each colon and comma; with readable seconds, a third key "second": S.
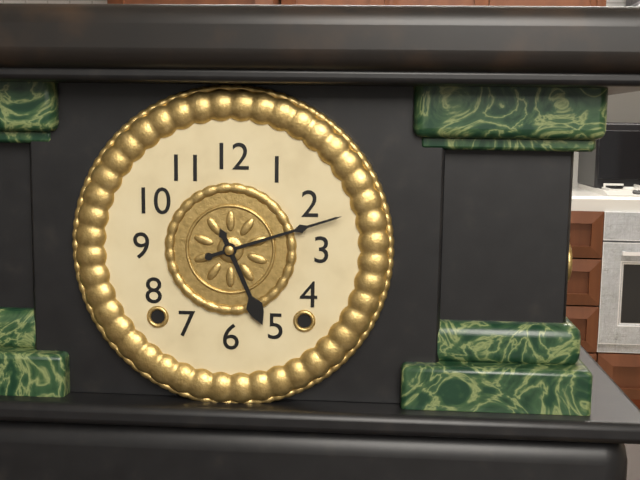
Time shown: {"hour": 5, "minute": 12}
